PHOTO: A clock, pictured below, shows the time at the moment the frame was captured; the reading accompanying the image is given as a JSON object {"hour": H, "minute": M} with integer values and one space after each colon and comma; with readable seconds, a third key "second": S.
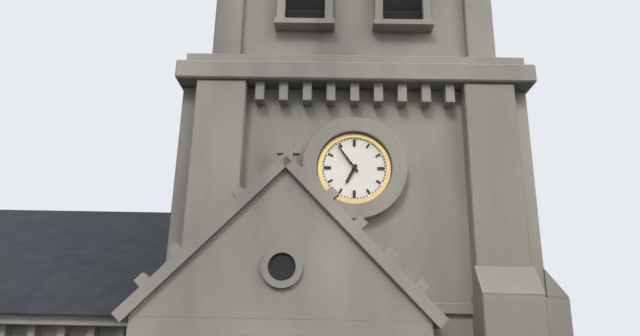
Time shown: {"hour": 6, "minute": 54}
